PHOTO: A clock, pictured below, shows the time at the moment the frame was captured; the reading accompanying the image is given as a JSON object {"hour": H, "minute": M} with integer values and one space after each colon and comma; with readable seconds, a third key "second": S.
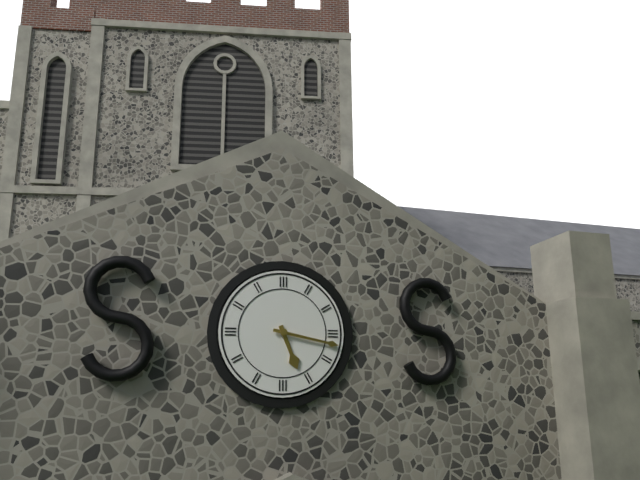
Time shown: {"hour": 5, "minute": 17}
